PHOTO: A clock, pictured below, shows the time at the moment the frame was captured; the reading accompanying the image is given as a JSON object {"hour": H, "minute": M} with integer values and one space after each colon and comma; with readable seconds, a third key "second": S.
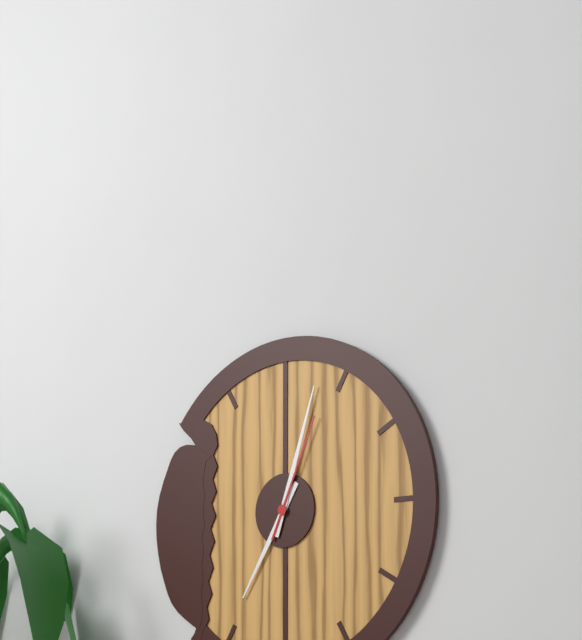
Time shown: {"hour": 7, "minute": 3, "second": 4}
